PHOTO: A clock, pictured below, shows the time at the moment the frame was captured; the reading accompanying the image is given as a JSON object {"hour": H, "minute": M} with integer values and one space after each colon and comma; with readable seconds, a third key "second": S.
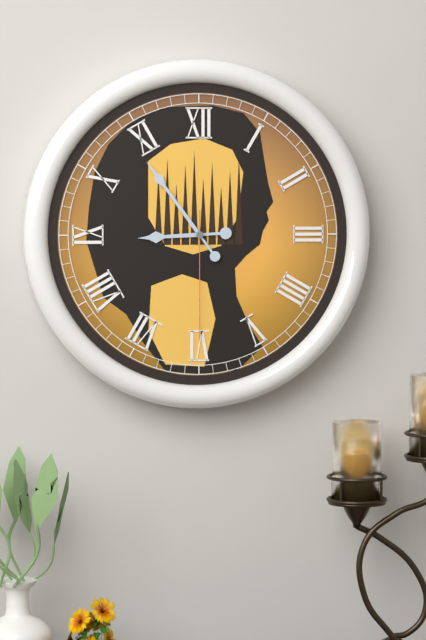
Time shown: {"hour": 8, "minute": 54, "second": 30}
